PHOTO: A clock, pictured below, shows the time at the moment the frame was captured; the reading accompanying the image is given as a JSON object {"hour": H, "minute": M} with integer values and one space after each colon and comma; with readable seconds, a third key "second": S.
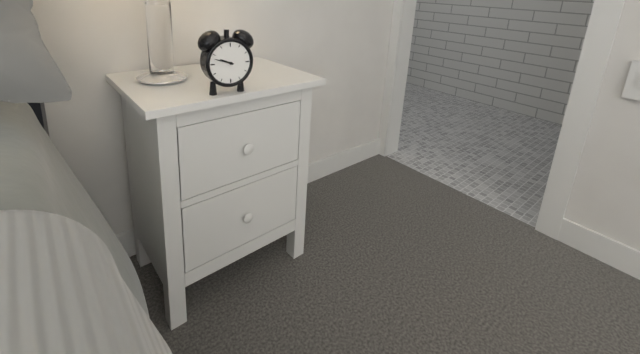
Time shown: {"hour": 9, "minute": 48}
